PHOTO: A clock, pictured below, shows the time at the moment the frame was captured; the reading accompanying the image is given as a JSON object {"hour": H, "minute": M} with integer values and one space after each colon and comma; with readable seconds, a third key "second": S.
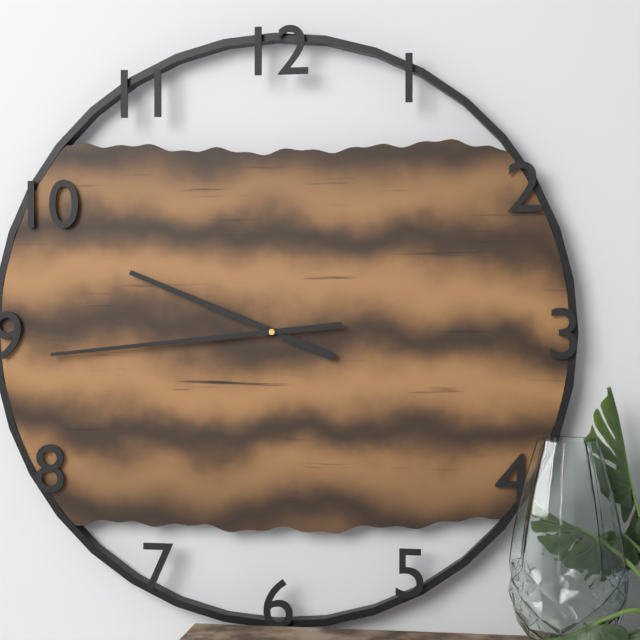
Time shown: {"hour": 9, "minute": 44}
